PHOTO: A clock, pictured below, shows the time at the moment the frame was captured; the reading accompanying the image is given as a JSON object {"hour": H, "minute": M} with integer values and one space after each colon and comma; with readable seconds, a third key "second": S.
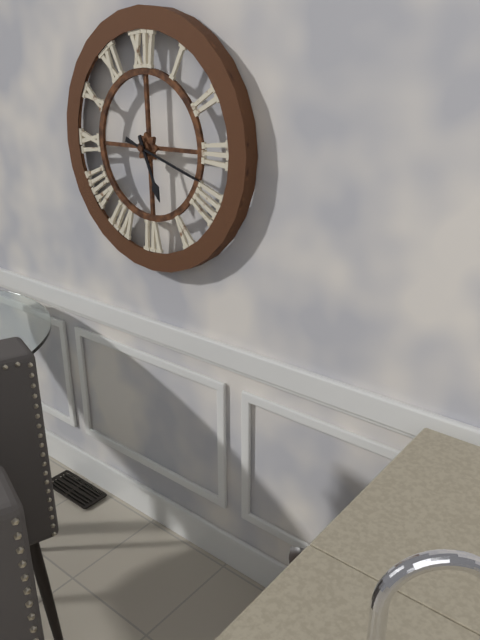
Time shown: {"hour": 5, "minute": 18}
